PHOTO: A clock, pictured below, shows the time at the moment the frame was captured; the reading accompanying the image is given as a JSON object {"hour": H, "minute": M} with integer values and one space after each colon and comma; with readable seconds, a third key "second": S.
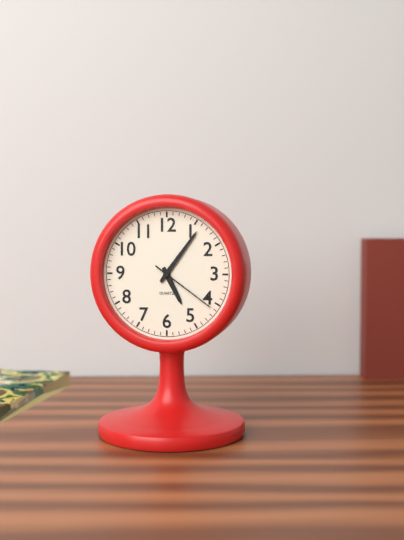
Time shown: {"hour": 5, "minute": 6, "second": 21}
